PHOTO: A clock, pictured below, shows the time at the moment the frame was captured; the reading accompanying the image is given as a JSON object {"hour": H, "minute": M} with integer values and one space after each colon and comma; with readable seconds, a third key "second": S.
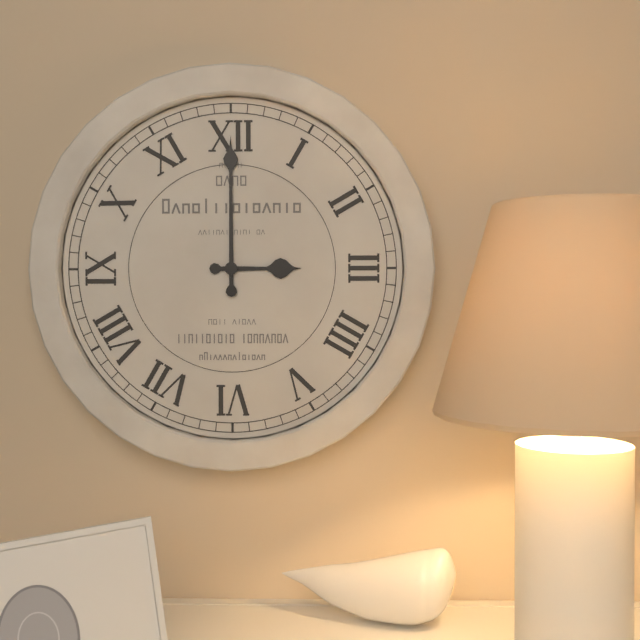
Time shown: {"hour": 3, "minute": 0}
